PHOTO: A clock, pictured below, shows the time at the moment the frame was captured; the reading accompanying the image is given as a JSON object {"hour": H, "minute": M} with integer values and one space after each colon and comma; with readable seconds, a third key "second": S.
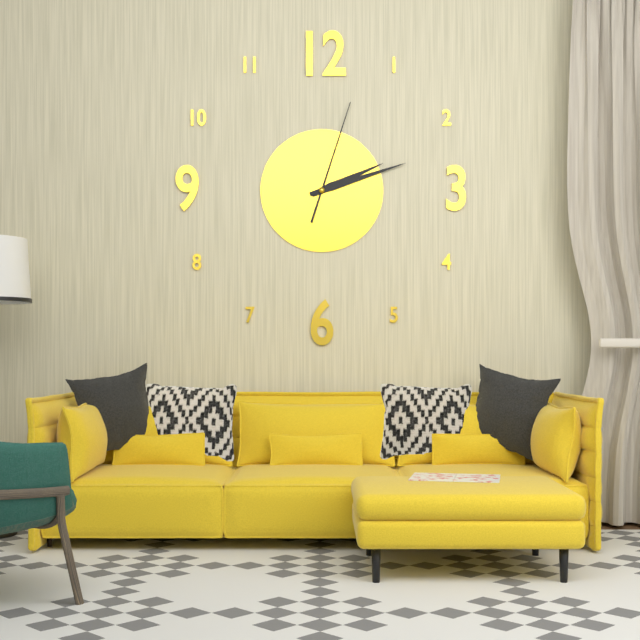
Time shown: {"hour": 2, "minute": 12, "second": 3}
